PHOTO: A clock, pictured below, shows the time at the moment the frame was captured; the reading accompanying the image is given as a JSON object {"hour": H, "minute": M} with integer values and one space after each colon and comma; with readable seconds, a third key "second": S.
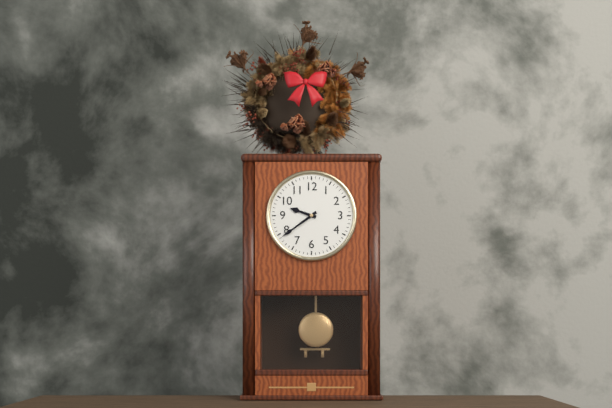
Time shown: {"hour": 9, "minute": 39}
